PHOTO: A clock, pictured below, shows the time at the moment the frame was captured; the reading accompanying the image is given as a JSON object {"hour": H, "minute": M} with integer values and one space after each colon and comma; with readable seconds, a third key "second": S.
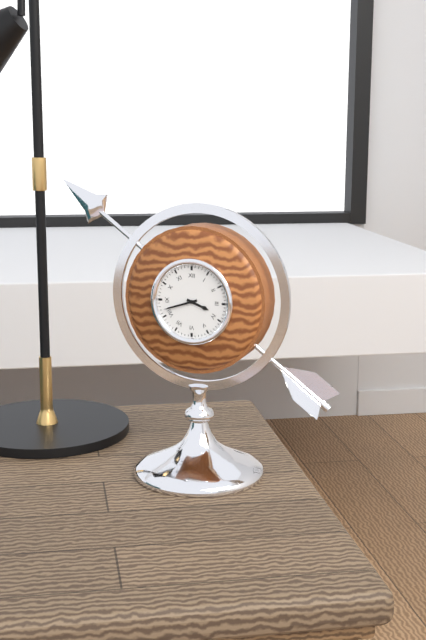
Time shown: {"hour": 3, "minute": 42}
